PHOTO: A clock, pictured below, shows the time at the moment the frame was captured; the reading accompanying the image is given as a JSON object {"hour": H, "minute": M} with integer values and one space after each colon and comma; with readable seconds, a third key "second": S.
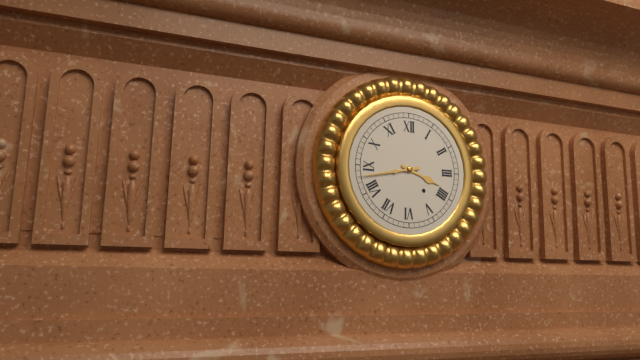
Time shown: {"hour": 3, "minute": 43}
